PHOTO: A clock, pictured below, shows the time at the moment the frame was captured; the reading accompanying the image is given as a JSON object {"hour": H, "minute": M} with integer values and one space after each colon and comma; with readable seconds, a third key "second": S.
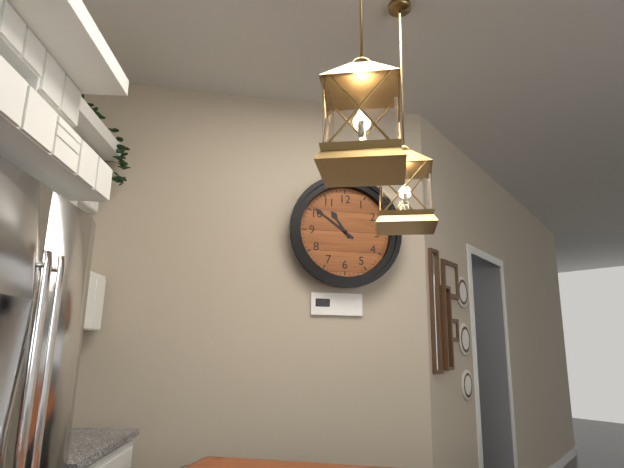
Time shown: {"hour": 10, "minute": 51}
